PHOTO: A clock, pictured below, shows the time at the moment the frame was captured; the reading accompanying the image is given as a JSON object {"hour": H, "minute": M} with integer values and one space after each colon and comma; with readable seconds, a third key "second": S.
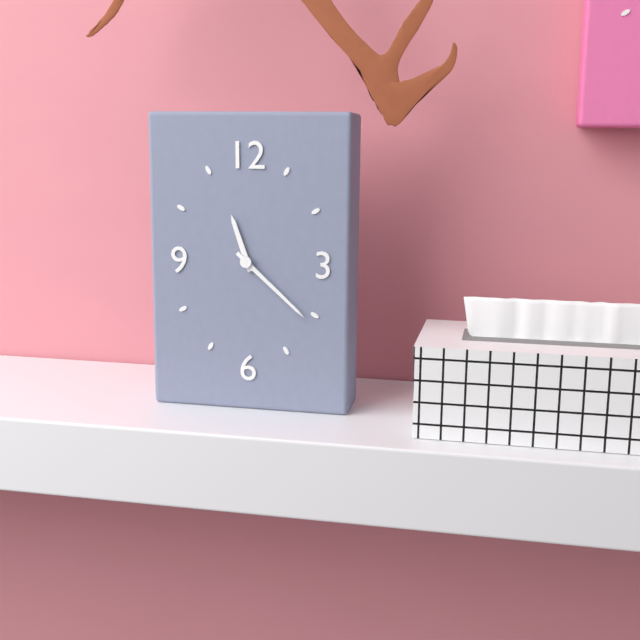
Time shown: {"hour": 11, "minute": 22}
